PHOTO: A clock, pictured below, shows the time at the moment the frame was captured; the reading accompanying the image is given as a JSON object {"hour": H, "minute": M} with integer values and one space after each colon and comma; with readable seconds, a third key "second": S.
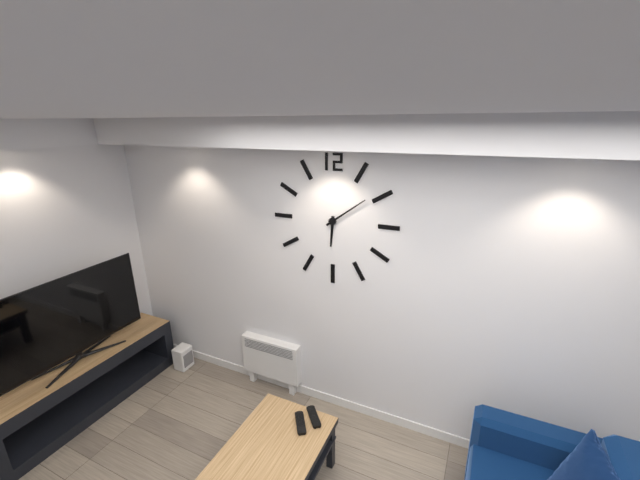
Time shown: {"hour": 6, "minute": 9}
